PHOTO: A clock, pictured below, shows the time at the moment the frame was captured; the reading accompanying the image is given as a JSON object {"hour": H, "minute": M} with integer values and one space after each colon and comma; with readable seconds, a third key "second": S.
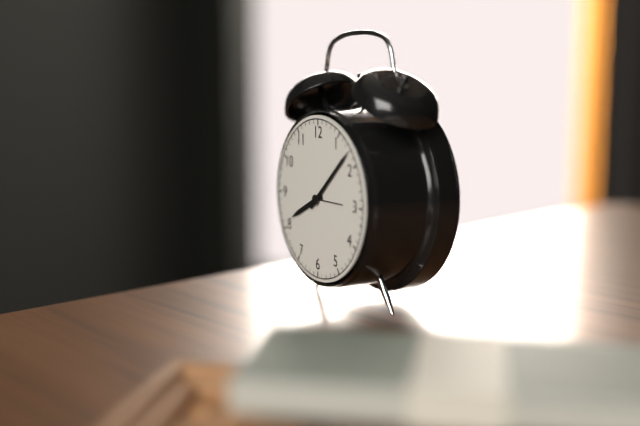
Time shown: {"hour": 8, "minute": 8}
